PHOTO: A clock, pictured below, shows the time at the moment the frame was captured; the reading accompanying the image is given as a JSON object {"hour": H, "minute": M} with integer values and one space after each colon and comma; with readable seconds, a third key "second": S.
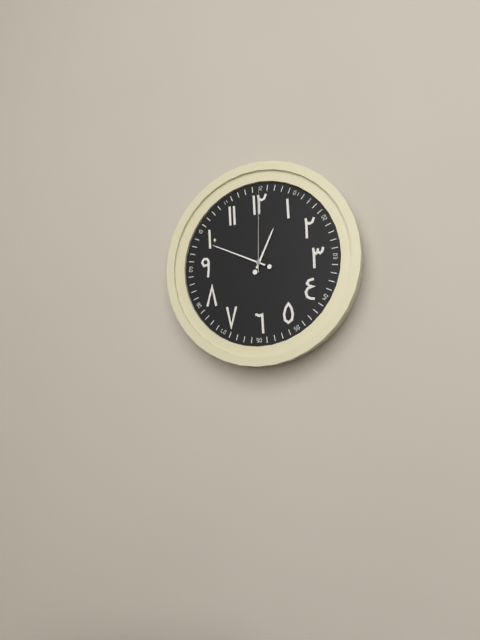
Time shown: {"hour": 12, "minute": 49, "second": 0}
